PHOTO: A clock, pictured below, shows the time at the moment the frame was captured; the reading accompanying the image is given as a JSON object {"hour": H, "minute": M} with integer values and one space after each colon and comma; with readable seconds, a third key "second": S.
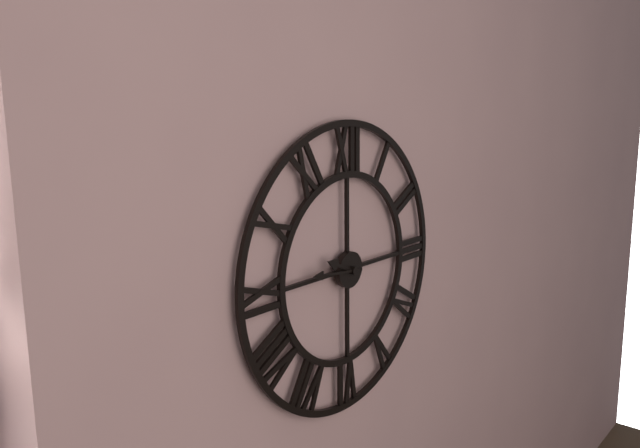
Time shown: {"hour": 9, "minute": 46}
